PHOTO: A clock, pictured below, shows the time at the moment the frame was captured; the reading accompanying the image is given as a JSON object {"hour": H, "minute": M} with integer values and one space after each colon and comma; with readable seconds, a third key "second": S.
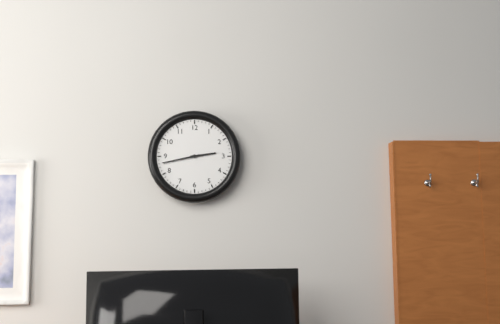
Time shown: {"hour": 2, "minute": 43}
